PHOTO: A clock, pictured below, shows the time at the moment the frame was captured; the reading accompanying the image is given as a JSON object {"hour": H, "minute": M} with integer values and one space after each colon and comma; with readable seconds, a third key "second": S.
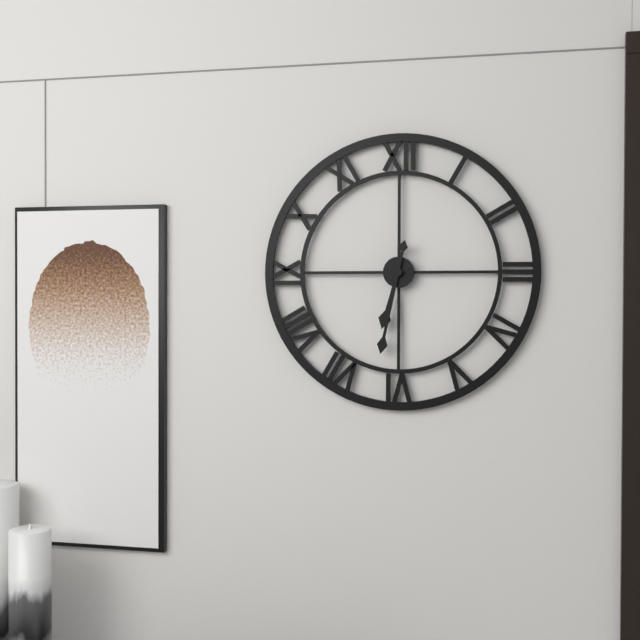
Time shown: {"hour": 6, "minute": 32}
